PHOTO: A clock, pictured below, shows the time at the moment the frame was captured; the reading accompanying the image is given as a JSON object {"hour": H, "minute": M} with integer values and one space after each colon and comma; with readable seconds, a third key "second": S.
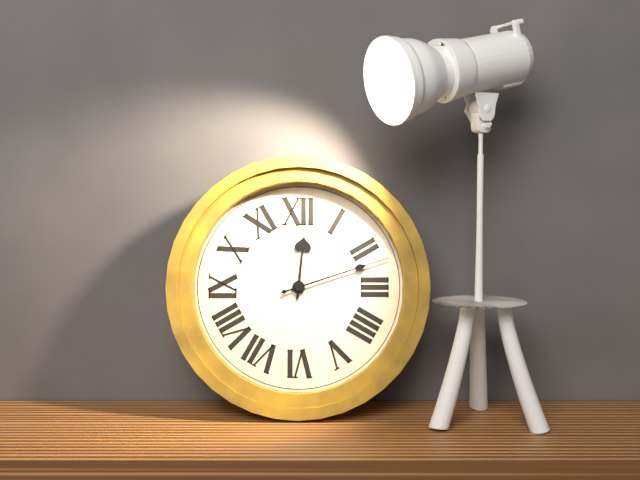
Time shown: {"hour": 12, "minute": 12}
